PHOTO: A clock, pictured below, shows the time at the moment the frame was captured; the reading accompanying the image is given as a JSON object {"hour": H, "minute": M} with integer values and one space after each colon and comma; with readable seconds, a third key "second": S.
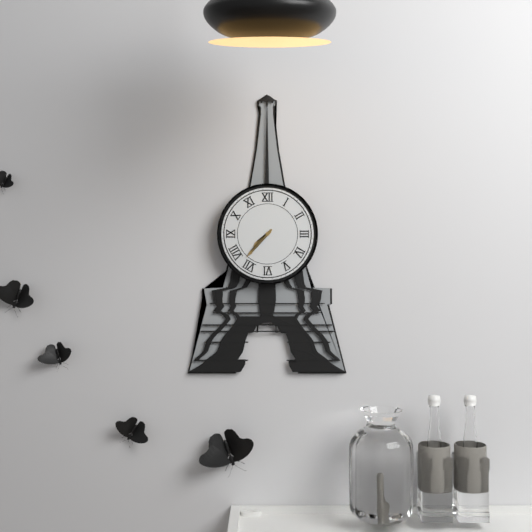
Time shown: {"hour": 7, "minute": 37}
